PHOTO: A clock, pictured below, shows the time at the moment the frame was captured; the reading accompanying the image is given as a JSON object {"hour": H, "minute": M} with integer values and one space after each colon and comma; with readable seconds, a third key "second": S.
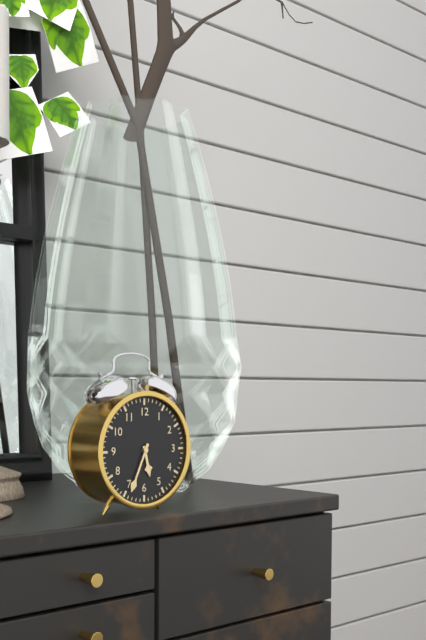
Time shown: {"hour": 5, "minute": 34}
